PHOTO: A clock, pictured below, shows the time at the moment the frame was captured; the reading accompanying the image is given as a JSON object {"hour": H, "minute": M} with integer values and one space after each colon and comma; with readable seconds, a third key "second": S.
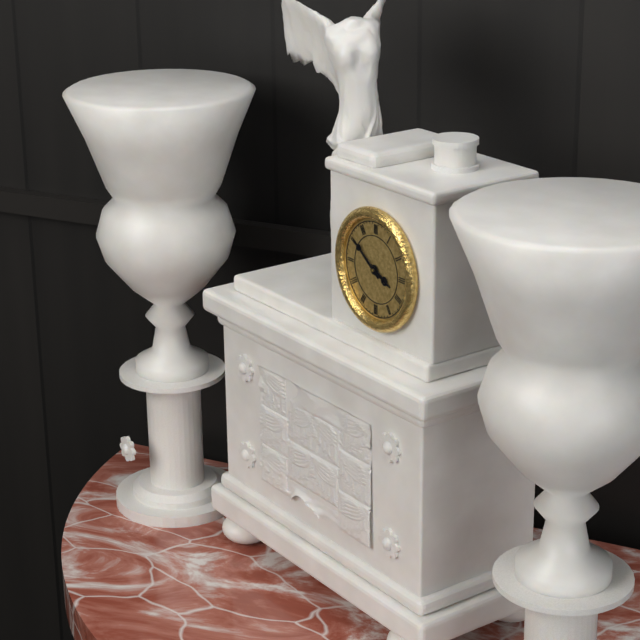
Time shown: {"hour": 3, "minute": 51}
